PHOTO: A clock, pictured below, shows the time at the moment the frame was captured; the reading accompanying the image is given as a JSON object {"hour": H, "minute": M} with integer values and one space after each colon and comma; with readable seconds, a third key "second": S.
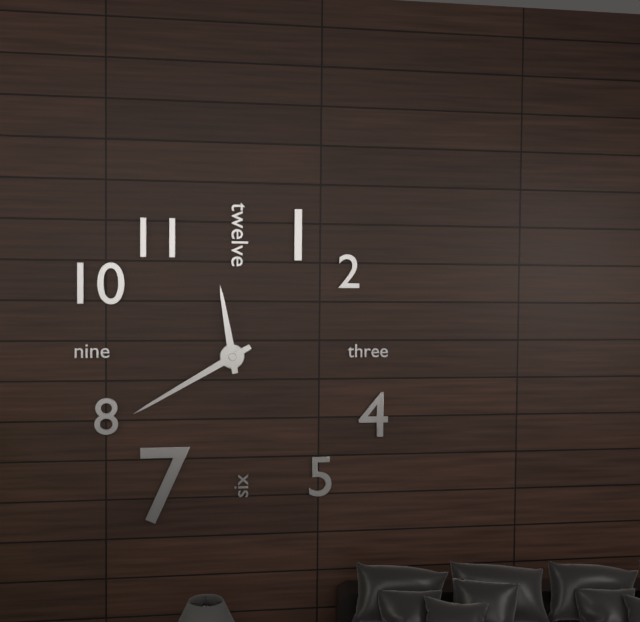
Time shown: {"hour": 11, "minute": 40}
